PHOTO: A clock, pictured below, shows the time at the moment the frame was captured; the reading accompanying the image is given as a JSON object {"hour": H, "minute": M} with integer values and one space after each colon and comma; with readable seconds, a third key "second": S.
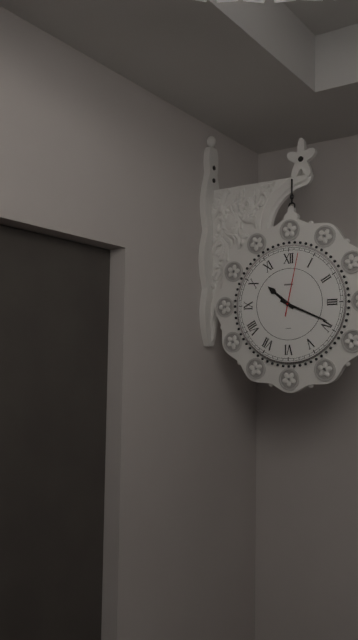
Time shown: {"hour": 10, "minute": 19, "second": 2}
